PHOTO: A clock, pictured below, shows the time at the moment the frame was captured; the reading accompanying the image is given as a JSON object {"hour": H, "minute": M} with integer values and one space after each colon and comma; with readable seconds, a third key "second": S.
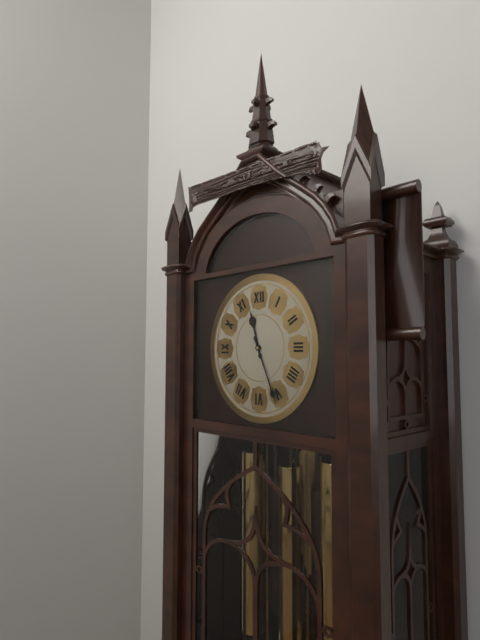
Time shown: {"hour": 11, "minute": 26}
